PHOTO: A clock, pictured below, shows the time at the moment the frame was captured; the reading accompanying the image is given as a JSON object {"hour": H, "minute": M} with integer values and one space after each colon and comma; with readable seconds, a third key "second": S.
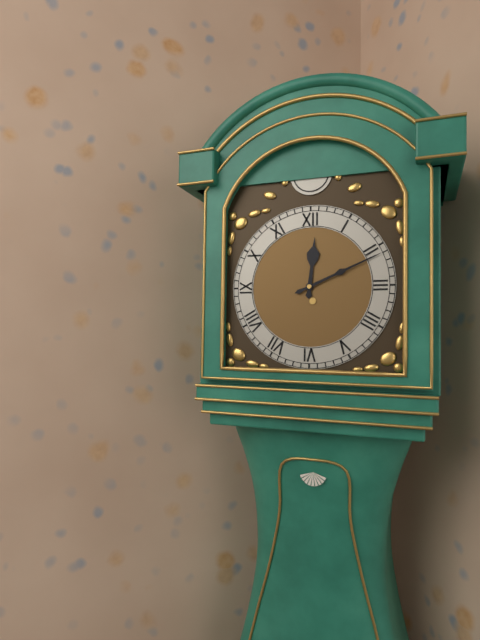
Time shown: {"hour": 12, "minute": 11}
